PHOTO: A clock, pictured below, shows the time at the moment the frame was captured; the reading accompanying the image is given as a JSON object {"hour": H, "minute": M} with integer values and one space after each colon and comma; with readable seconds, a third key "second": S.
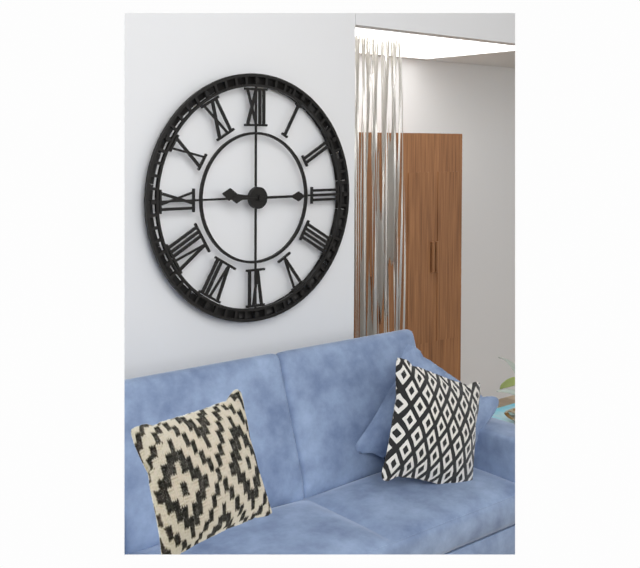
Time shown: {"hour": 9, "minute": 15}
